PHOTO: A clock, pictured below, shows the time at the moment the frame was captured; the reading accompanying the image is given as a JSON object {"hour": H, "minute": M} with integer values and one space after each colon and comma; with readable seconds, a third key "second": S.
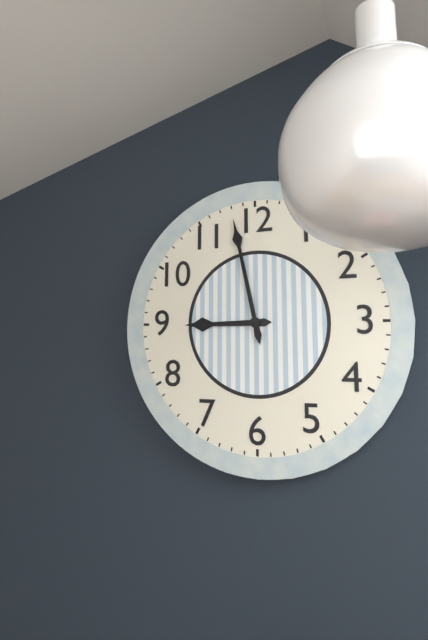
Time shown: {"hour": 8, "minute": 58}
